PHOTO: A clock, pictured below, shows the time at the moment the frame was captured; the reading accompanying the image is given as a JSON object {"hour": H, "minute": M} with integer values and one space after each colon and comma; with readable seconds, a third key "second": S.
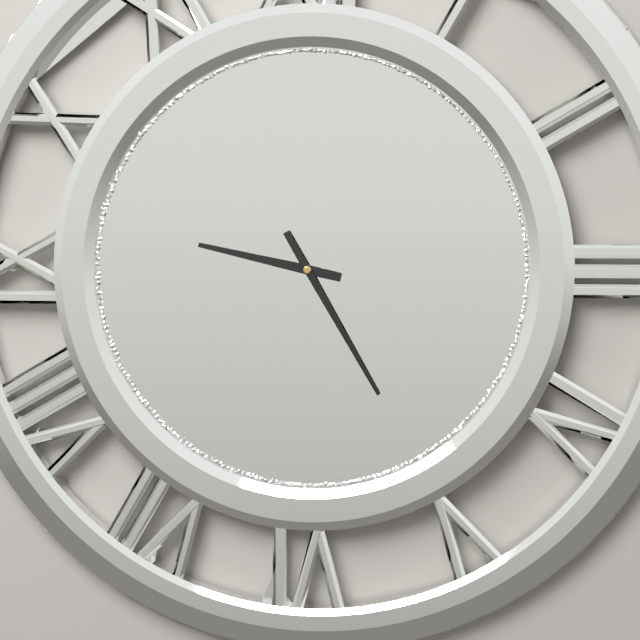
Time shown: {"hour": 9, "minute": 25}
